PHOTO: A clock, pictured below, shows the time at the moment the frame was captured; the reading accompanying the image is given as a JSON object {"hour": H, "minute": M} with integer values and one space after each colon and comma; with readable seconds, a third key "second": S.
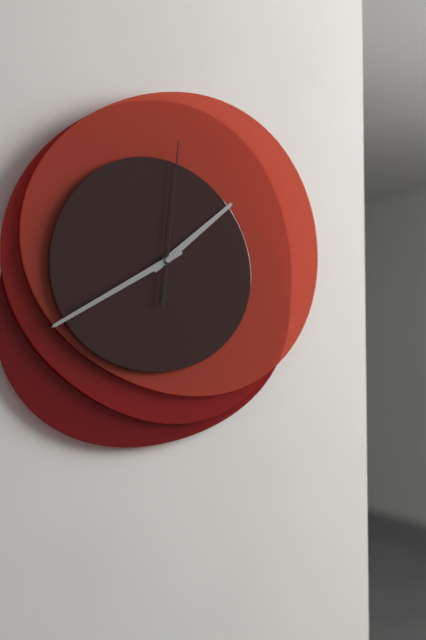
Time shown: {"hour": 1, "minute": 40, "second": 1}
